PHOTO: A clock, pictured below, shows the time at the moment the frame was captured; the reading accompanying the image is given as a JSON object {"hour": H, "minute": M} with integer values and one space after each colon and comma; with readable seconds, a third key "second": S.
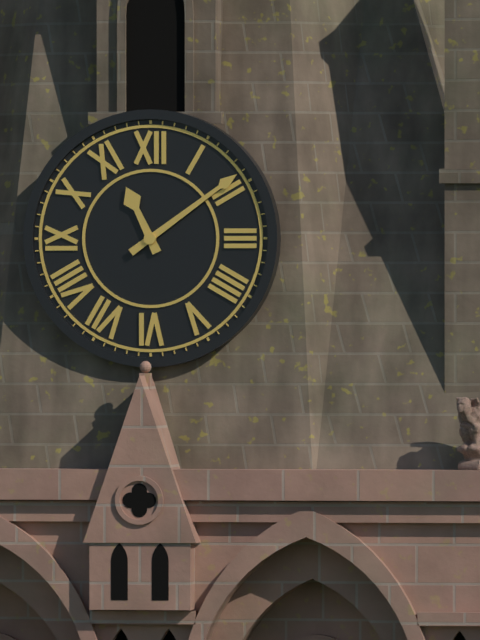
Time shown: {"hour": 11, "minute": 9}
